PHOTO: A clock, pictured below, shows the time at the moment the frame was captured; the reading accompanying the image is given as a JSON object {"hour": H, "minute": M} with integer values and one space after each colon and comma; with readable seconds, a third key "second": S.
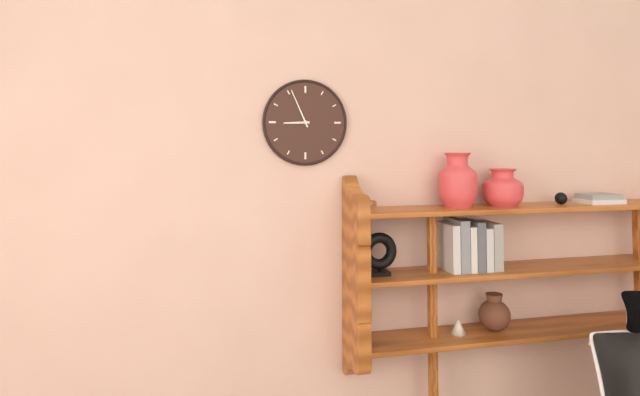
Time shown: {"hour": 8, "minute": 56}
